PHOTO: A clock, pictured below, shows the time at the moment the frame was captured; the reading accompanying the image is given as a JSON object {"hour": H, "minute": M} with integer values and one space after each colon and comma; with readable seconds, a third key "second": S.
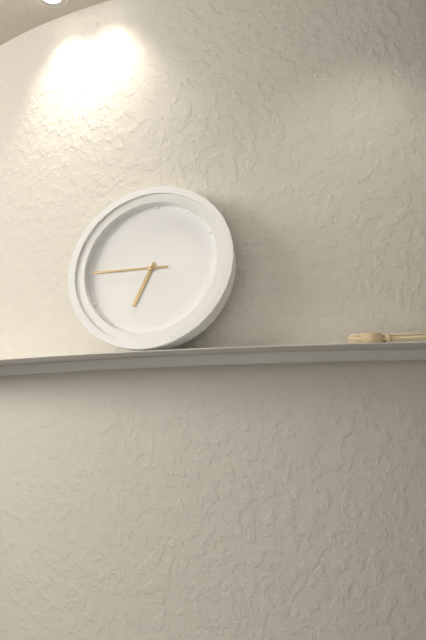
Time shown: {"hour": 6, "minute": 45}
